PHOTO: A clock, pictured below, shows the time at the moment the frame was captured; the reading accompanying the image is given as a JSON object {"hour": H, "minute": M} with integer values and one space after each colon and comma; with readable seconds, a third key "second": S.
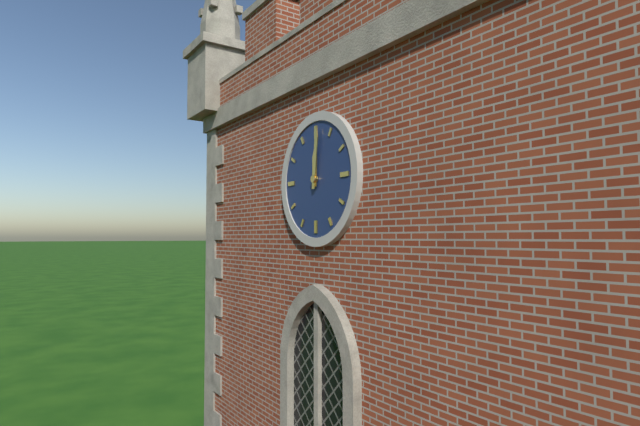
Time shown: {"hour": 12, "minute": 1}
